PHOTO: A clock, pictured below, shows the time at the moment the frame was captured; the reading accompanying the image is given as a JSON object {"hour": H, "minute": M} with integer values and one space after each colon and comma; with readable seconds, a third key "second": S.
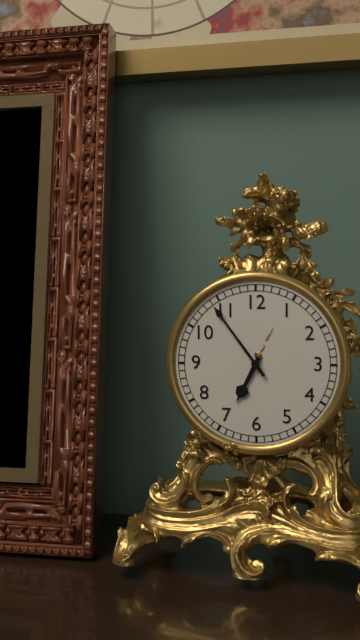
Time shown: {"hour": 6, "minute": 54}
